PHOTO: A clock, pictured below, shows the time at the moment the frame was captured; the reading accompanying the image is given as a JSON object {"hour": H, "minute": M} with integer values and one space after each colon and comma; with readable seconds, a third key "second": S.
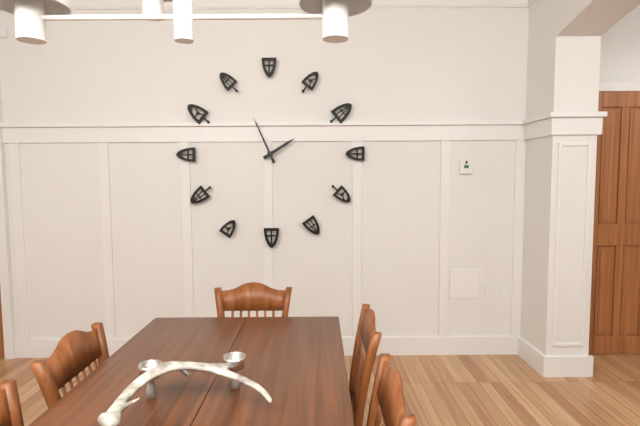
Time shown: {"hour": 1, "minute": 56}
